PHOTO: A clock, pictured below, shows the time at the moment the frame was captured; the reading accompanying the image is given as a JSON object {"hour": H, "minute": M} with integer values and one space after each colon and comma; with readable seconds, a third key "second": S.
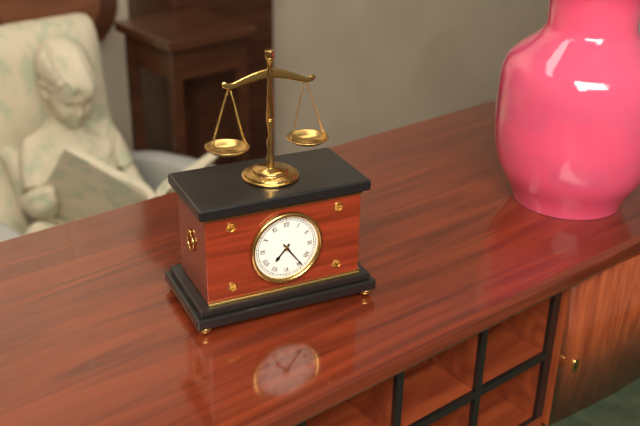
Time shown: {"hour": 7, "minute": 24}
